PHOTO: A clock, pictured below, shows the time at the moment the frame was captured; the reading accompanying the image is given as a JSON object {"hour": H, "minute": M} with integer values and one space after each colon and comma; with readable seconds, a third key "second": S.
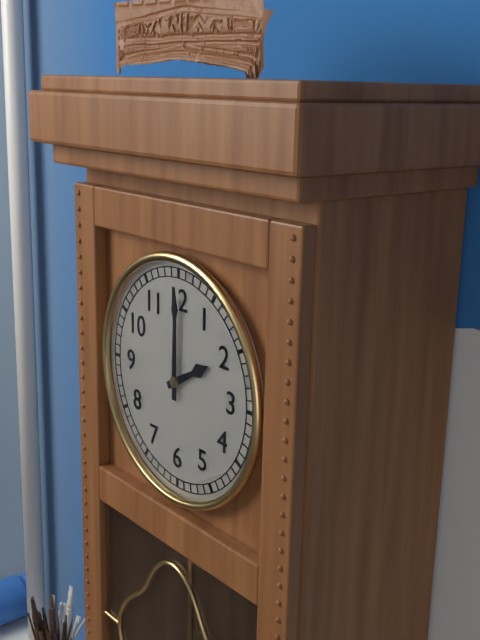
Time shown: {"hour": 2, "minute": 0}
